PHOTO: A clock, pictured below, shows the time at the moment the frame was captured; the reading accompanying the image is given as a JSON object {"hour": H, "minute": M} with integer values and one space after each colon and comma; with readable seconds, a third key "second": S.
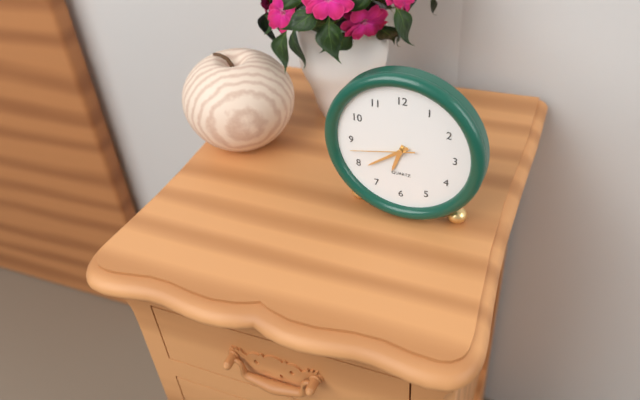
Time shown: {"hour": 6, "minute": 39, "second": 43}
